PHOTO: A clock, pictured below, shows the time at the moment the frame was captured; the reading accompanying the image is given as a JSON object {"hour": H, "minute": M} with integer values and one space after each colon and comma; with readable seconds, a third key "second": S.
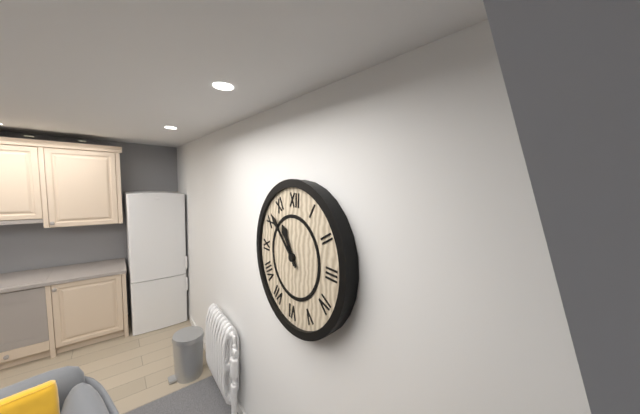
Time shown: {"hour": 10, "minute": 52}
